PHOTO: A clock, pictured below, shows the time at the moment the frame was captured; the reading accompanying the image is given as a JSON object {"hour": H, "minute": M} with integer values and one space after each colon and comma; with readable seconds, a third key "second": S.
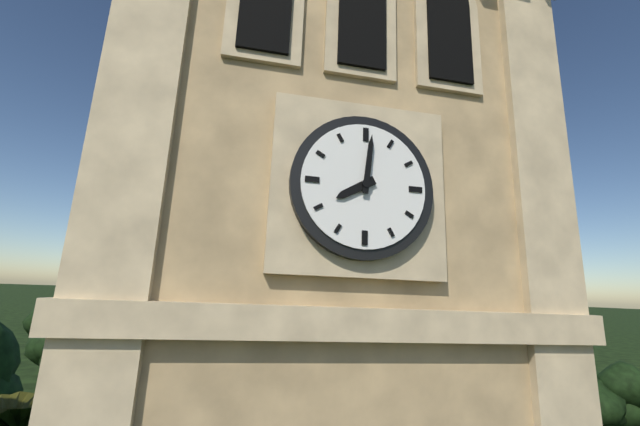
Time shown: {"hour": 8, "minute": 1}
